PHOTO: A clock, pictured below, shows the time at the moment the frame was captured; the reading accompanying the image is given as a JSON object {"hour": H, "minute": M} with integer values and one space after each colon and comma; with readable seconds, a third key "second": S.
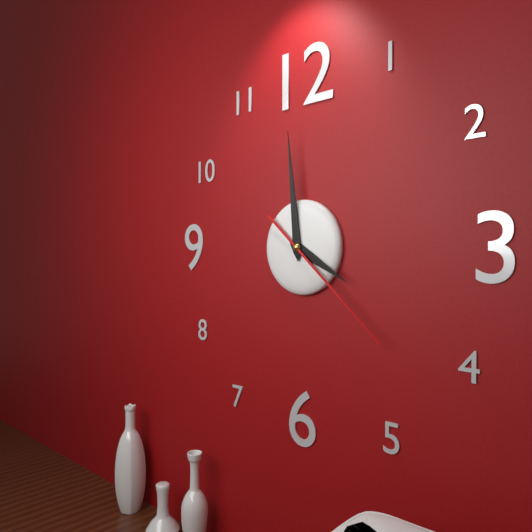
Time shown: {"hour": 3, "minute": 59, "second": 22}
